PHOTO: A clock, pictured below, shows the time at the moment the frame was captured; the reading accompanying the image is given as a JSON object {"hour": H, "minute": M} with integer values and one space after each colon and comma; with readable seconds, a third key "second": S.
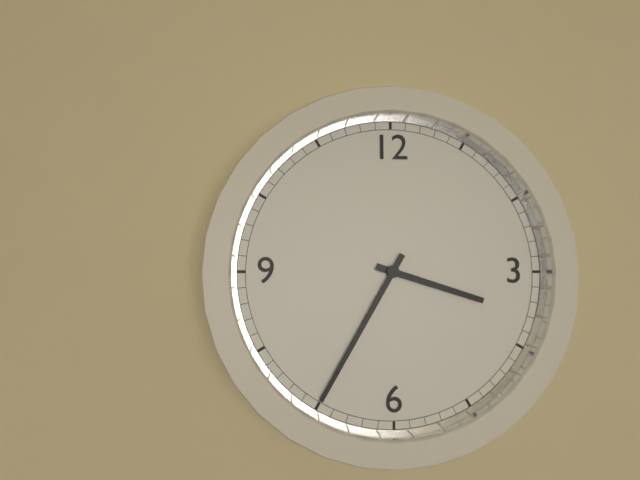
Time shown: {"hour": 3, "minute": 35}
